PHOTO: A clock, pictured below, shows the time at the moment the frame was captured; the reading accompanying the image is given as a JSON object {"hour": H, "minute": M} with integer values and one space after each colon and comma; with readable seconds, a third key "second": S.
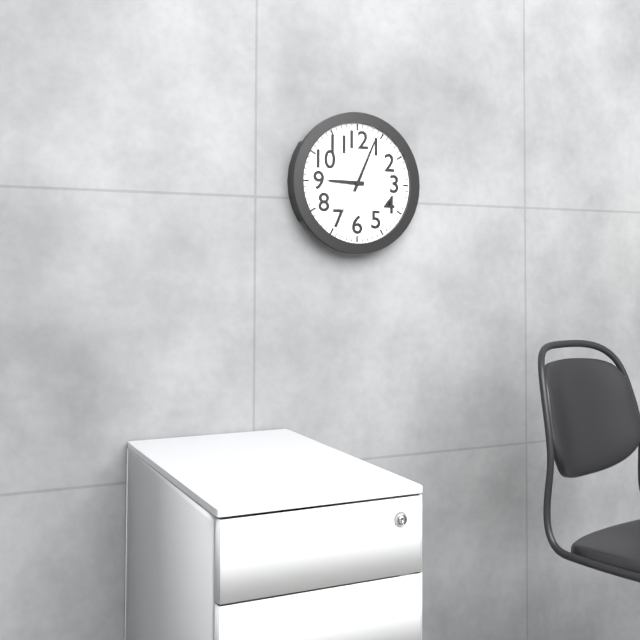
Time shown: {"hour": 9, "minute": 4}
